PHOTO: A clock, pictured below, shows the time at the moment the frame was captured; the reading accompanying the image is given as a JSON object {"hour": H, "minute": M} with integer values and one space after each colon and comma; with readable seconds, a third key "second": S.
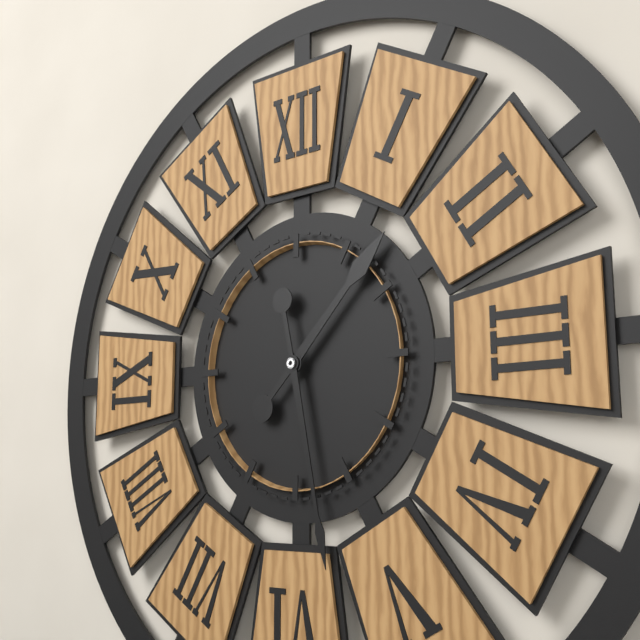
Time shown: {"hour": 1, "minute": 28}
